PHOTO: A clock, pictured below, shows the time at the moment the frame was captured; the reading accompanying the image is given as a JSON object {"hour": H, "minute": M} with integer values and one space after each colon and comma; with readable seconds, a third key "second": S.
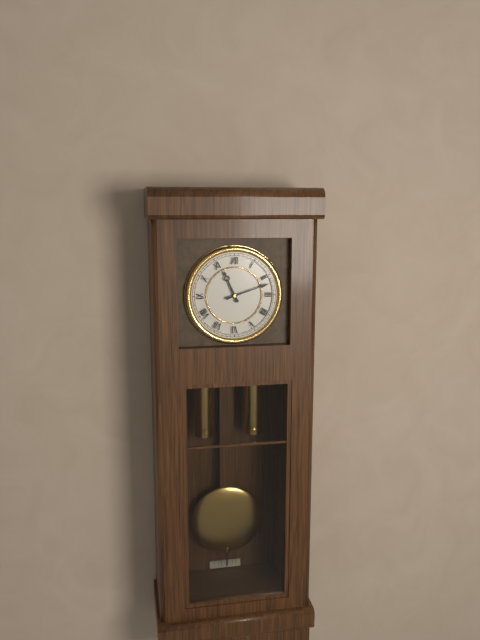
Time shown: {"hour": 11, "minute": 12}
